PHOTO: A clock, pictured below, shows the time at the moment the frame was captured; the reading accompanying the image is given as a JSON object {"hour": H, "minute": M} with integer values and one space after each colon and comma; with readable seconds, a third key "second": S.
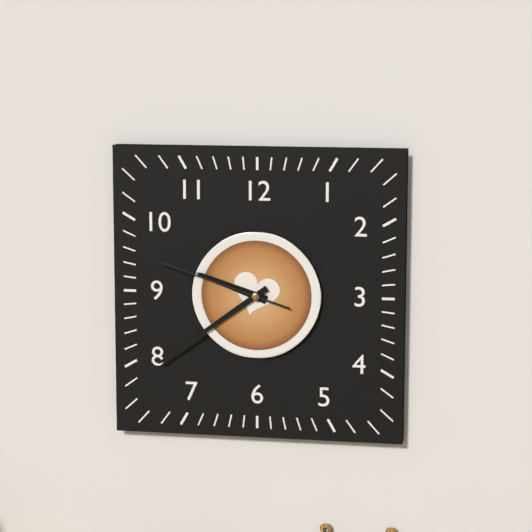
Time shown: {"hour": 9, "minute": 39, "second": 48}
